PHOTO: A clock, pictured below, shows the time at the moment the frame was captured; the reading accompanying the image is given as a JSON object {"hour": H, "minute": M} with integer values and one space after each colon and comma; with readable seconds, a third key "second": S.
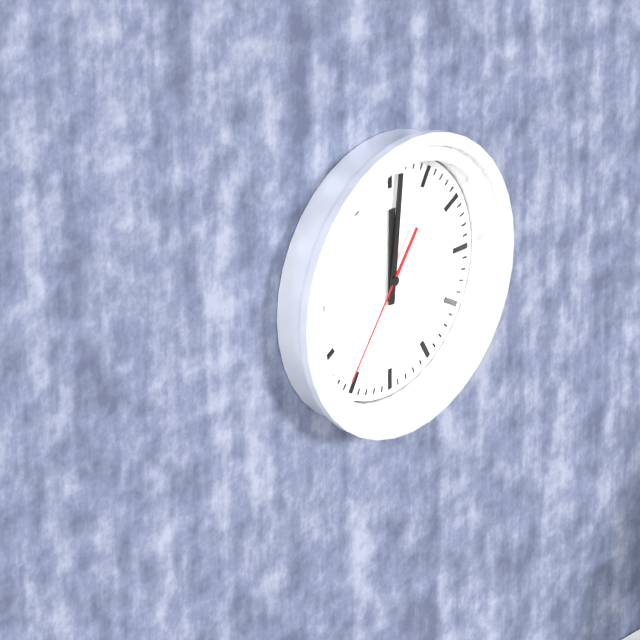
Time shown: {"hour": 12, "minute": 1, "second": 36}
